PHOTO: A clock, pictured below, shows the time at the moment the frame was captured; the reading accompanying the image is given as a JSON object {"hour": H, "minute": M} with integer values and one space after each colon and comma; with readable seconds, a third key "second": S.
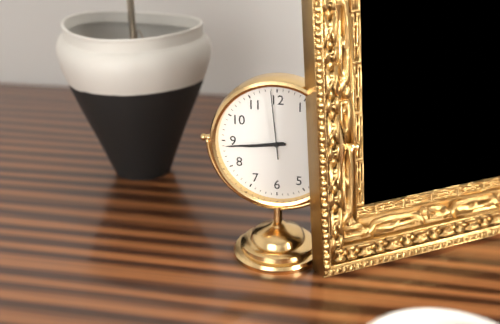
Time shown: {"hour": 8, "minute": 44, "second": 59}
